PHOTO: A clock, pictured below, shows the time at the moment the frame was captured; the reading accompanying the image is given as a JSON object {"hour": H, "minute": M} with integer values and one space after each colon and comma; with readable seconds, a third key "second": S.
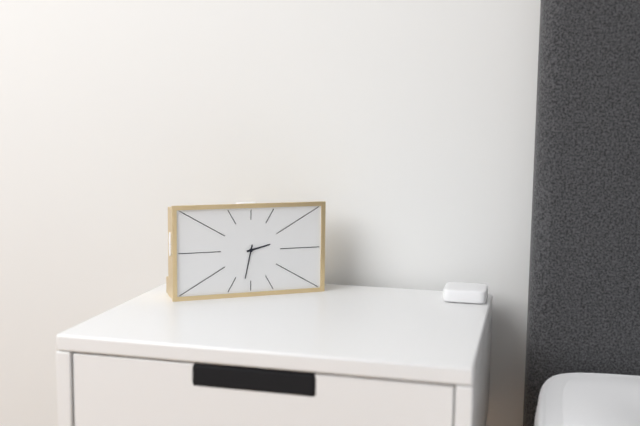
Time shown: {"hour": 2, "minute": 32}
